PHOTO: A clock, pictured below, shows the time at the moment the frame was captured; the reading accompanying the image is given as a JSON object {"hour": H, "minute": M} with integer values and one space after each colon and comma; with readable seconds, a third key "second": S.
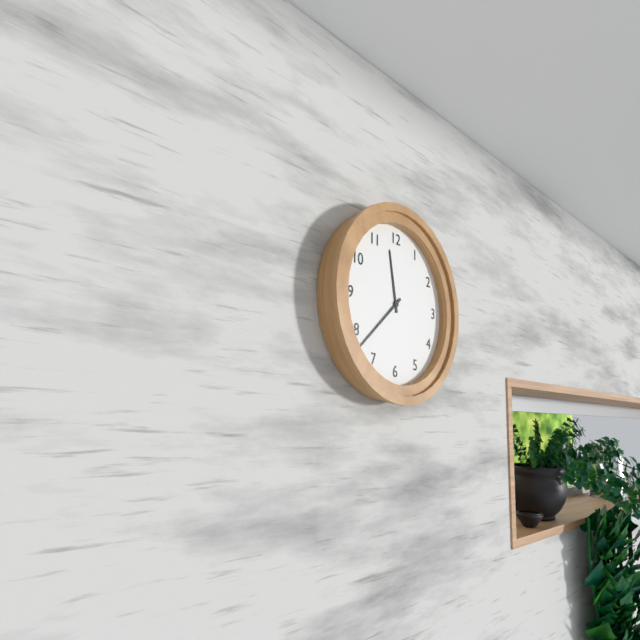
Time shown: {"hour": 11, "minute": 38}
